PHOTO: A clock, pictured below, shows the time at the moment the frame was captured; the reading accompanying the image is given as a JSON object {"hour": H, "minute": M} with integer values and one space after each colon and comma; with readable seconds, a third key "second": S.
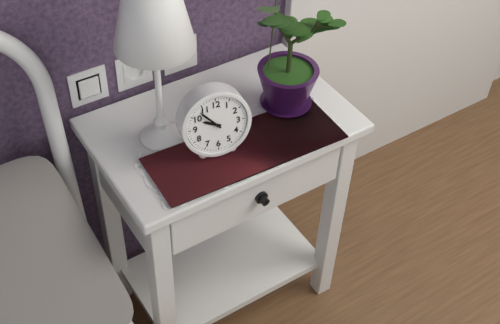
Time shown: {"hour": 9, "minute": 53}
